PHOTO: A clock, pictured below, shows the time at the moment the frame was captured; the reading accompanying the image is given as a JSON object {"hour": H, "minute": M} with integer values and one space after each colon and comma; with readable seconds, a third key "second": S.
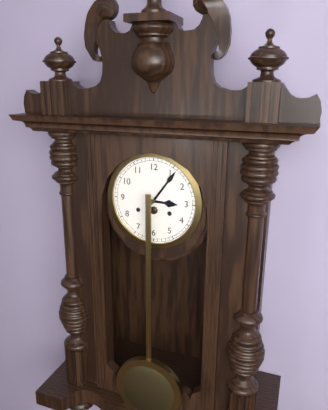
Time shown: {"hour": 3, "minute": 6}
